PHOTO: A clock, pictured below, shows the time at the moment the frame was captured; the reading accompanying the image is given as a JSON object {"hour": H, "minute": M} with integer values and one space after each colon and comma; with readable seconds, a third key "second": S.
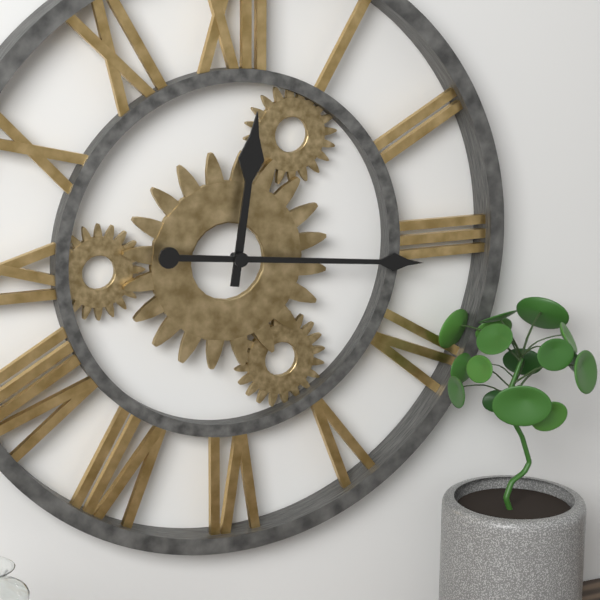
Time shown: {"hour": 12, "minute": 16}
